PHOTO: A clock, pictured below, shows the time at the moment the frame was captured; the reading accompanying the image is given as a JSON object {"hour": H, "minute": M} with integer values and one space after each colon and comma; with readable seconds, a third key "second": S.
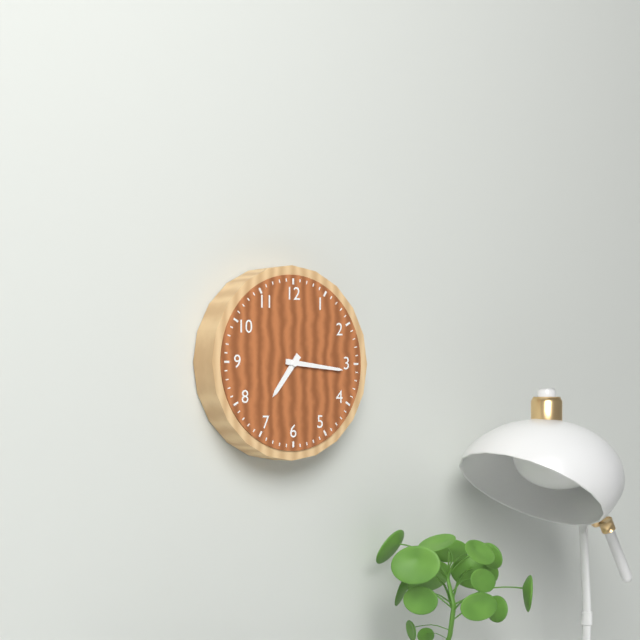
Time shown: {"hour": 7, "minute": 16}
